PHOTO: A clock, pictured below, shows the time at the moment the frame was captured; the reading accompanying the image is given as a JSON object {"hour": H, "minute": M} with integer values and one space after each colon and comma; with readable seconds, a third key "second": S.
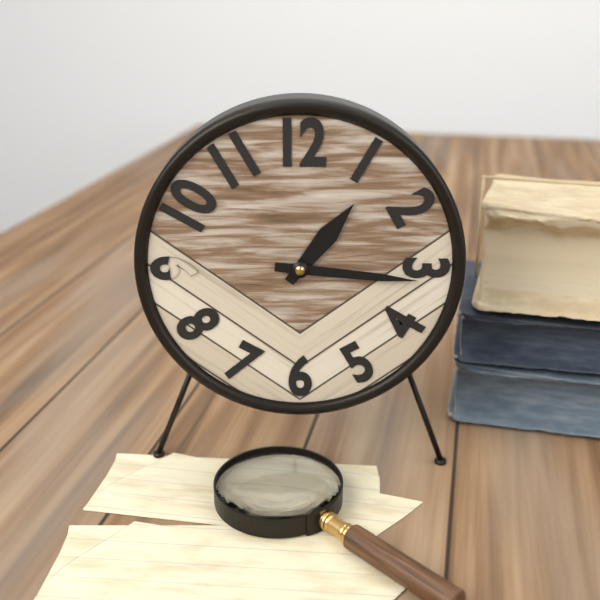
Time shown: {"hour": 1, "minute": 16}
